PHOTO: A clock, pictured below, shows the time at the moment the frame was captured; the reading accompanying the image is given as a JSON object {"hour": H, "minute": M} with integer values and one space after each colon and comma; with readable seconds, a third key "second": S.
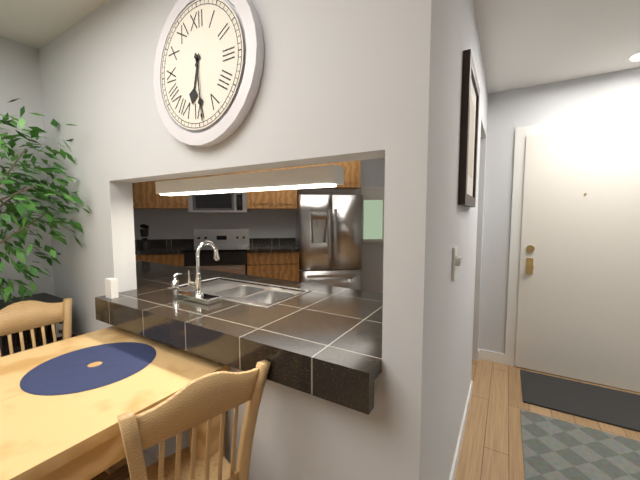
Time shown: {"hour": 6, "minute": 29}
